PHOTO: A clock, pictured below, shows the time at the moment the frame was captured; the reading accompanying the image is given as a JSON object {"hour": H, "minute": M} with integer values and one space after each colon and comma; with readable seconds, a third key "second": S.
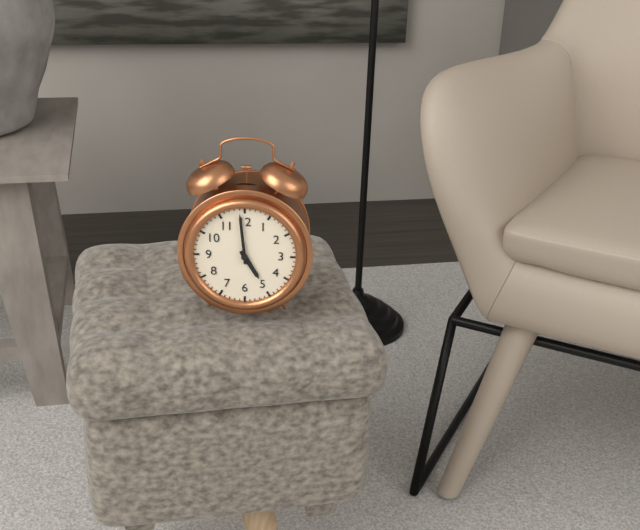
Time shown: {"hour": 4, "minute": 59}
